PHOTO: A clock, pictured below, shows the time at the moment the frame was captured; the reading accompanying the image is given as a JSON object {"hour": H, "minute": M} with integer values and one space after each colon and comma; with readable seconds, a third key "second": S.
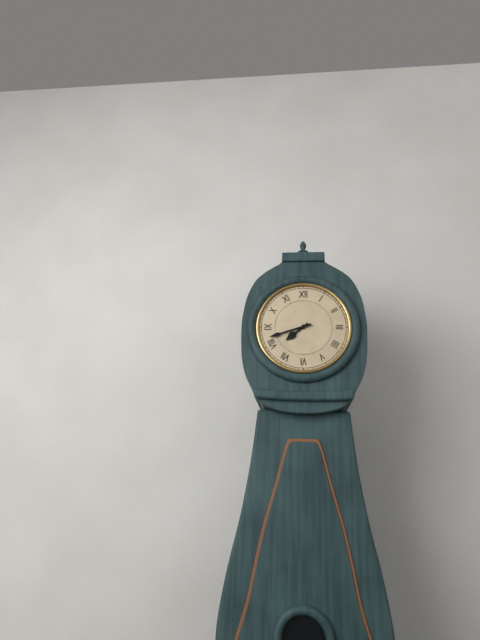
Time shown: {"hour": 7, "minute": 42}
